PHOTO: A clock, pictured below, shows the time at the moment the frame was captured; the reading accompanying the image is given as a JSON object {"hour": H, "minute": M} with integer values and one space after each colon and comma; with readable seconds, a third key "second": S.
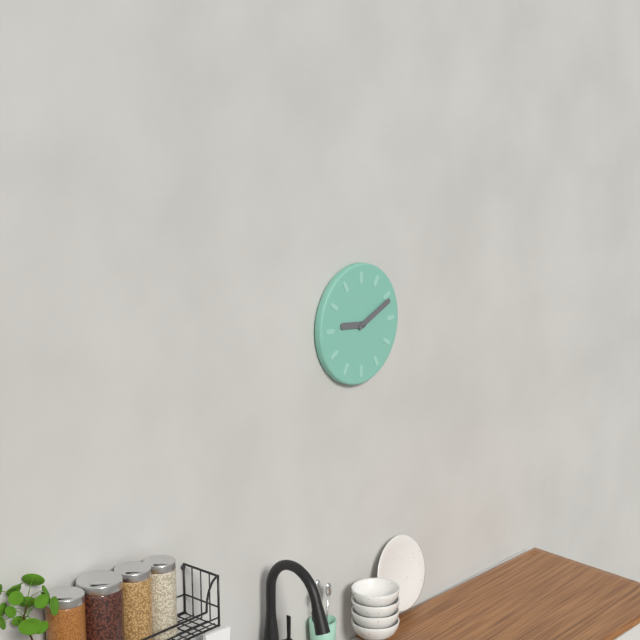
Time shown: {"hour": 9, "minute": 11}
